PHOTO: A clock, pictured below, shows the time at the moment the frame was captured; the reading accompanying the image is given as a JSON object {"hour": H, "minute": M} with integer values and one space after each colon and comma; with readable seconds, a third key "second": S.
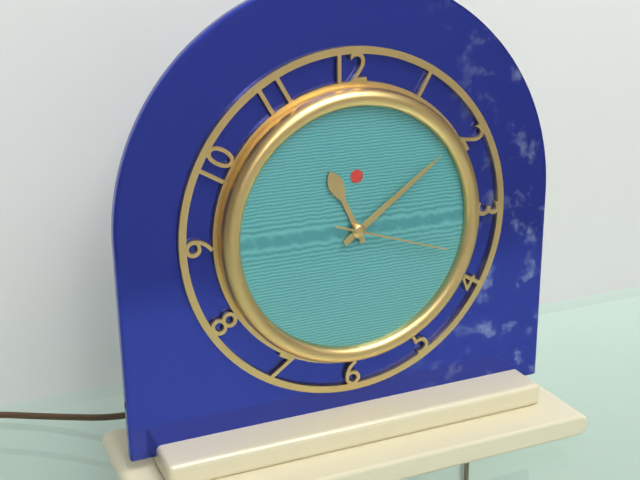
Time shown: {"hour": 11, "minute": 9, "second": 18}
